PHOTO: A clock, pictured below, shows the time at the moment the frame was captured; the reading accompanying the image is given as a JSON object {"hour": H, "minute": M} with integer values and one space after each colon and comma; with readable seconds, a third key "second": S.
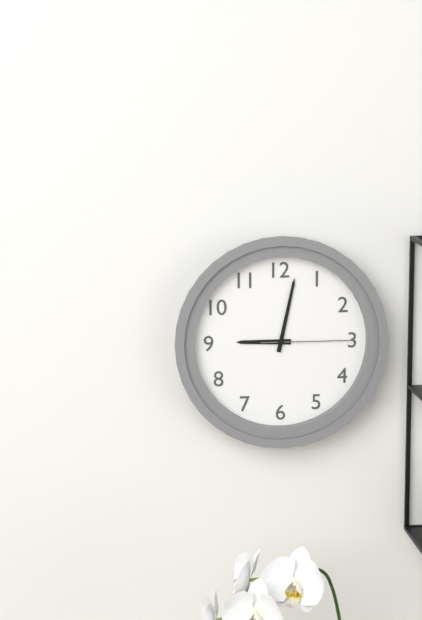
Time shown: {"hour": 9, "minute": 2, "second": 15}
